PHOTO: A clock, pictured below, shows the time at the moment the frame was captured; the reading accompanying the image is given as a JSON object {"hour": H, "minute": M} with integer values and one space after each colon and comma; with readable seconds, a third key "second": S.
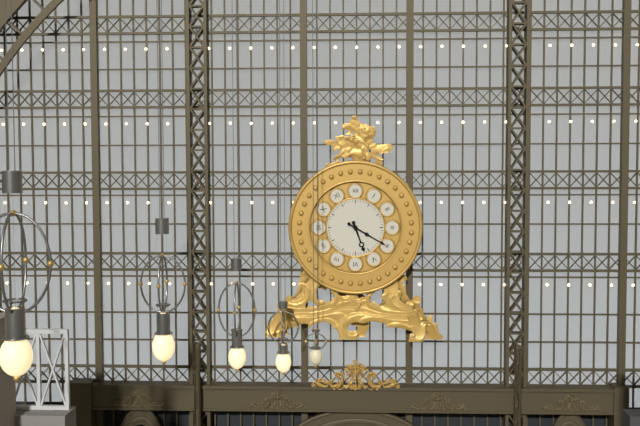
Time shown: {"hour": 5, "minute": 20}
